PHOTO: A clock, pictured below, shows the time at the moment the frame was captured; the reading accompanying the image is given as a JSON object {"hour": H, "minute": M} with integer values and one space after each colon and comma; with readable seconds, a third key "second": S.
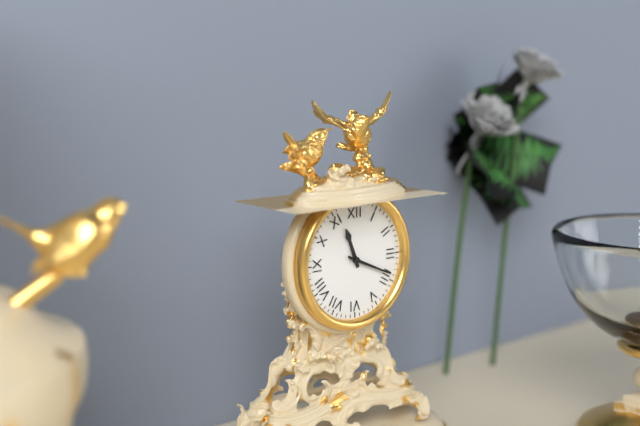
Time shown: {"hour": 11, "minute": 19}
